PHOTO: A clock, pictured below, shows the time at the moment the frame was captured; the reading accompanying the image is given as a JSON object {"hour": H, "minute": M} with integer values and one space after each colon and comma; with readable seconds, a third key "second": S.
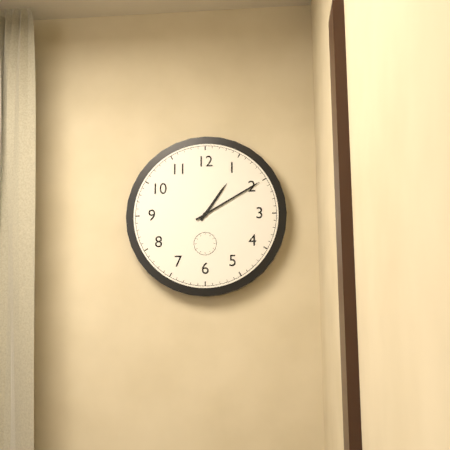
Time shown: {"hour": 1, "minute": 10}
